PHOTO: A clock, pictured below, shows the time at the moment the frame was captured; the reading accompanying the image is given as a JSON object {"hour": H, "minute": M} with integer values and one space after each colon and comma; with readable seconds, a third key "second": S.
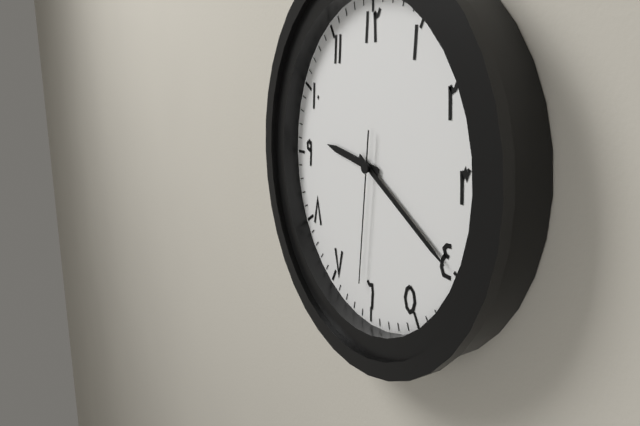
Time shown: {"hour": 9, "minute": 20, "second": 31}
